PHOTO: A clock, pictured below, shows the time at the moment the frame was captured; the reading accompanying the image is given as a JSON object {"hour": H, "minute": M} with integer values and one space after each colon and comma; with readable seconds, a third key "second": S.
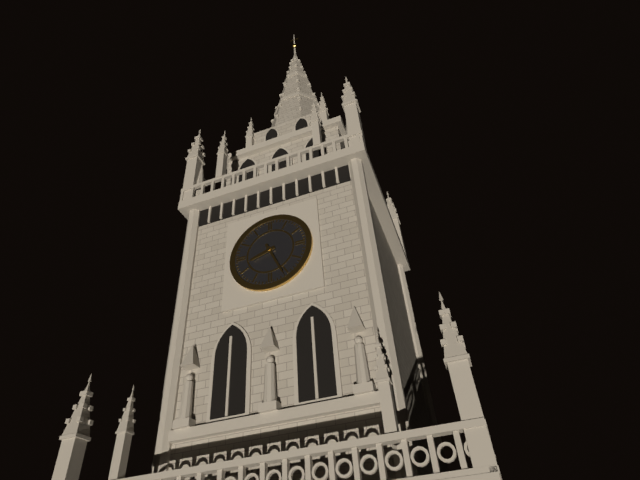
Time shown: {"hour": 8, "minute": 26}
